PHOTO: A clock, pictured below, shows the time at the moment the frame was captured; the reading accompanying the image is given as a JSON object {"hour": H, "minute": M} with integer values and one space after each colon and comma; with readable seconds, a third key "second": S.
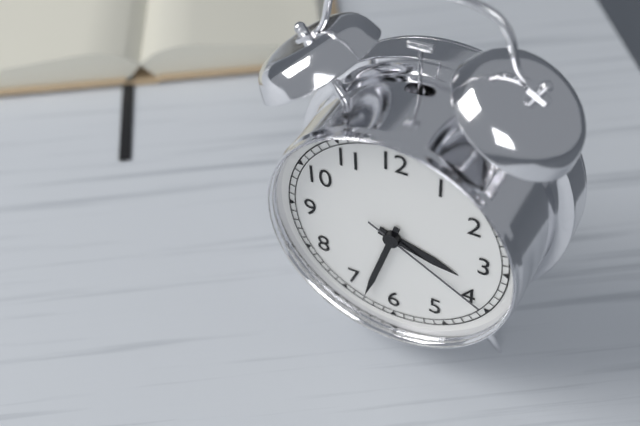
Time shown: {"hour": 3, "minute": 33, "second": 20}
